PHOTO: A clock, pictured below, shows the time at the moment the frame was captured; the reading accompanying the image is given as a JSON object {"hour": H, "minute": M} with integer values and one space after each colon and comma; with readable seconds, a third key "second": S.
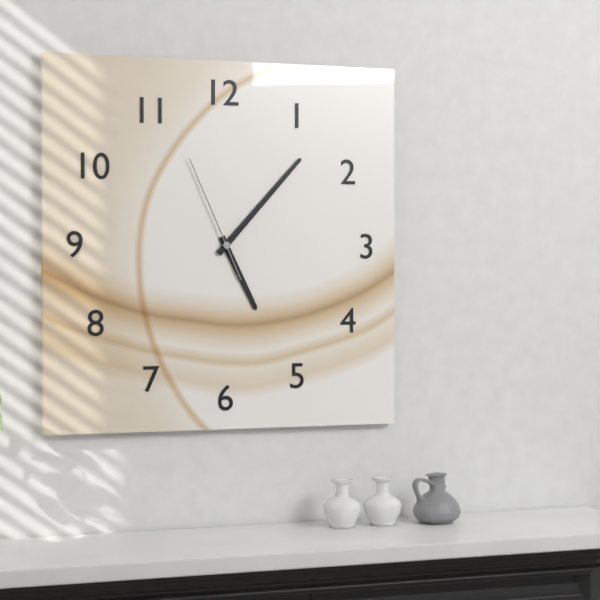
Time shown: {"hour": 5, "minute": 7, "second": 56}
